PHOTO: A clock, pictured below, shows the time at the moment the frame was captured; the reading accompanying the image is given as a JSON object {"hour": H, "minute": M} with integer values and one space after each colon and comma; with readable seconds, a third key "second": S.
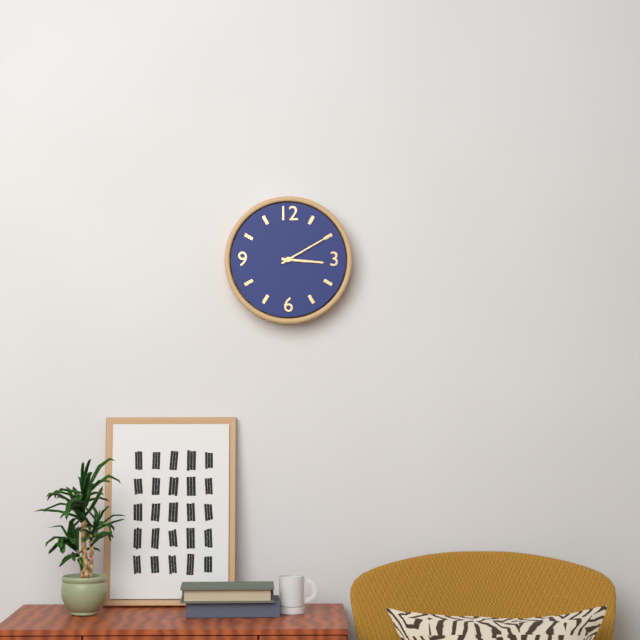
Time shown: {"hour": 3, "minute": 10}
